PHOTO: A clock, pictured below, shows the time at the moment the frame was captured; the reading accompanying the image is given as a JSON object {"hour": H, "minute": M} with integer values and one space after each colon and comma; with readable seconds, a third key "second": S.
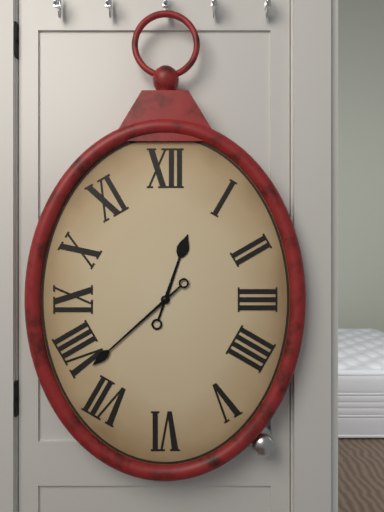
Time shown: {"hour": 12, "minute": 38}
